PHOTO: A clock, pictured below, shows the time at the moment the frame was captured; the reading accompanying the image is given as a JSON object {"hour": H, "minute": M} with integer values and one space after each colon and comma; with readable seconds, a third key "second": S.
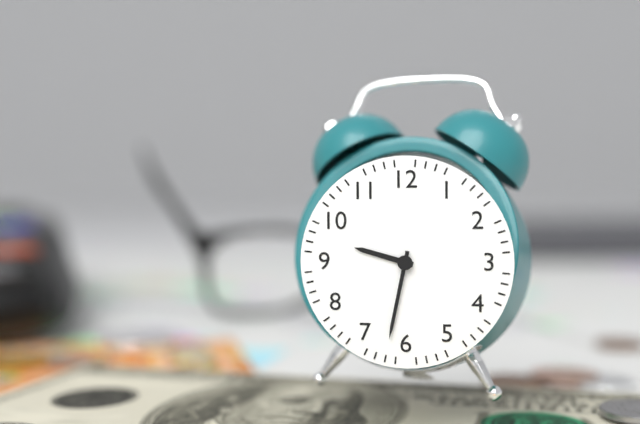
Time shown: {"hour": 9, "minute": 32}
